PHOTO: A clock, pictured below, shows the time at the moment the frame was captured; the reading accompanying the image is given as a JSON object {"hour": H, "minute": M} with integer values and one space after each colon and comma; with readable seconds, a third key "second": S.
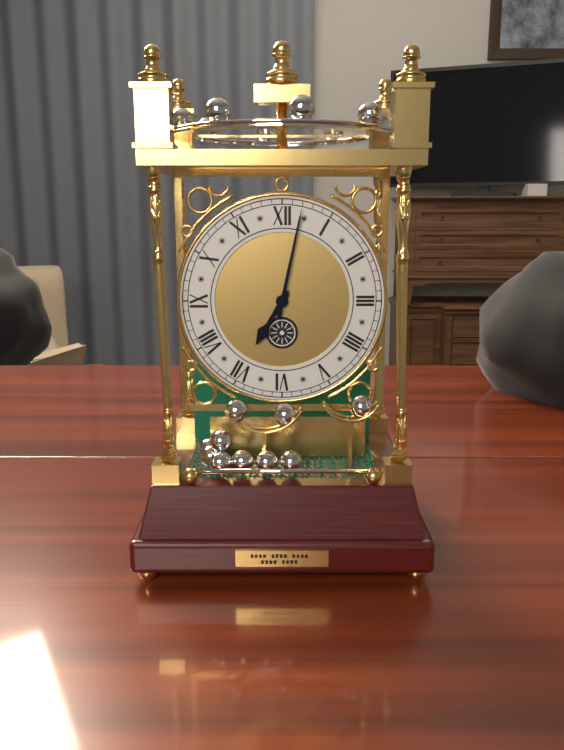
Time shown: {"hour": 7, "minute": 2}
